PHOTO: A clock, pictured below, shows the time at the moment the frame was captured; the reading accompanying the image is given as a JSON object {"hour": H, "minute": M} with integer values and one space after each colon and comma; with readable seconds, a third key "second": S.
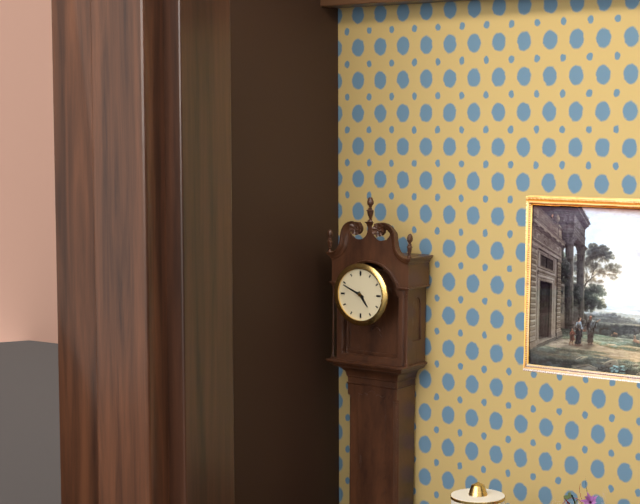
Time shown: {"hour": 4, "minute": 49}
